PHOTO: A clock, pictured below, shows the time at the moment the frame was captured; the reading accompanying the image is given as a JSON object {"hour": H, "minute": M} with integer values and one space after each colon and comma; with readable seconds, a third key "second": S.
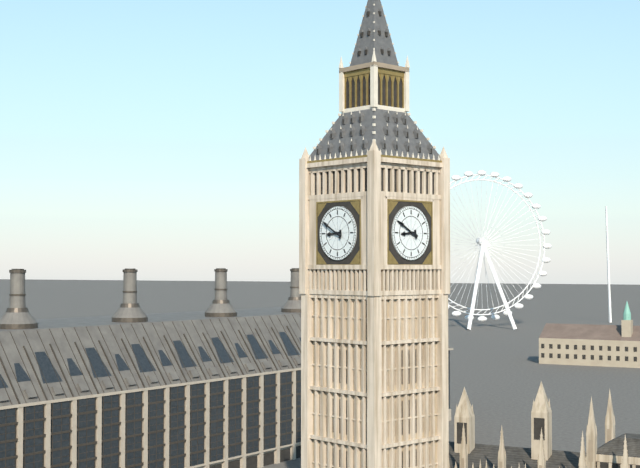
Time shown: {"hour": 8, "minute": 50}
